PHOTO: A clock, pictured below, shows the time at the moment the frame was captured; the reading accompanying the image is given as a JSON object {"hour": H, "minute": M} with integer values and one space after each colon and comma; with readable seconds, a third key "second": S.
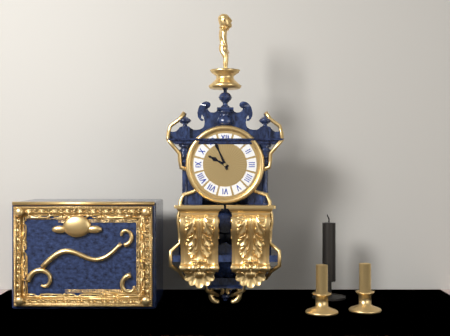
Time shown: {"hour": 9, "minute": 56}
